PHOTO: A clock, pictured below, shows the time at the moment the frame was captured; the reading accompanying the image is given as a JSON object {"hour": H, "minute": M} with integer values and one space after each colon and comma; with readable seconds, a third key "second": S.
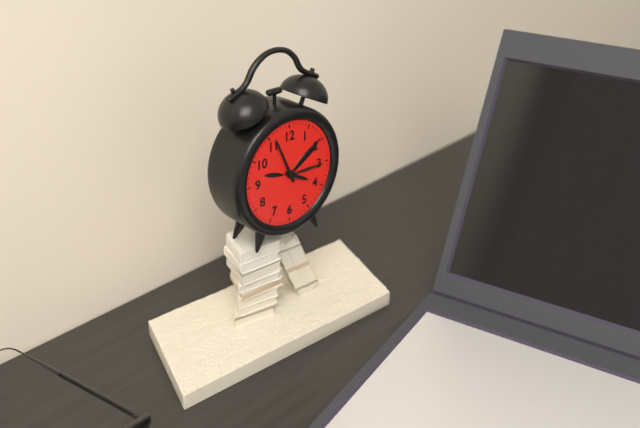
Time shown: {"hour": 3, "minute": 56}
